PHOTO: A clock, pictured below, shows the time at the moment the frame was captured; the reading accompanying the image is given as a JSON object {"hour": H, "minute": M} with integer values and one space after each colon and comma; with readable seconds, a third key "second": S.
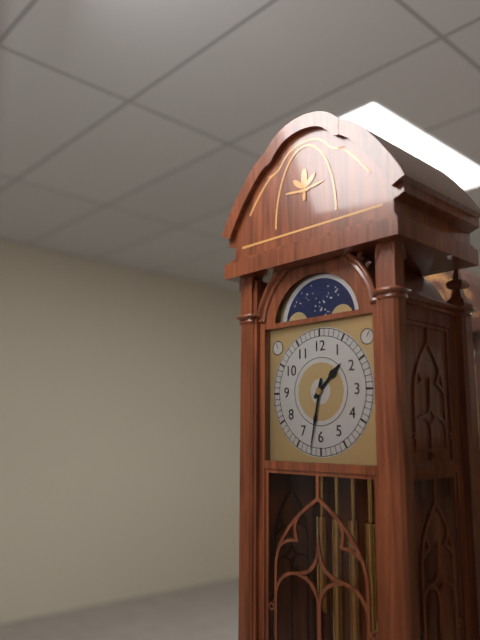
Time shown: {"hour": 1, "minute": 32}
